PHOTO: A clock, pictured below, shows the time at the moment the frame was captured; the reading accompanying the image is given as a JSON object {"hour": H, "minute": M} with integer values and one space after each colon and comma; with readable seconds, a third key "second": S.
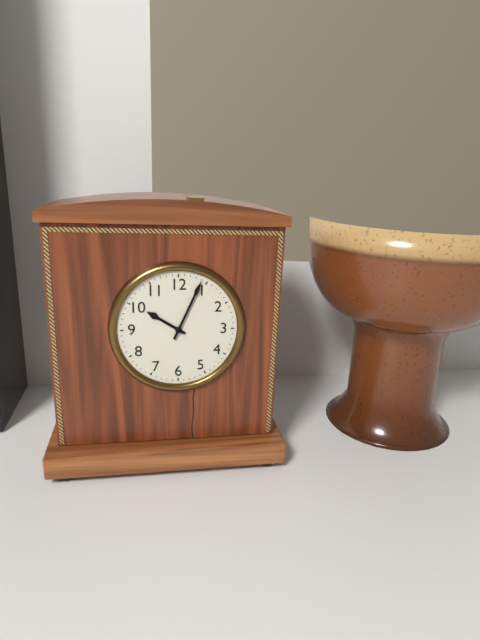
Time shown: {"hour": 10, "minute": 4}
